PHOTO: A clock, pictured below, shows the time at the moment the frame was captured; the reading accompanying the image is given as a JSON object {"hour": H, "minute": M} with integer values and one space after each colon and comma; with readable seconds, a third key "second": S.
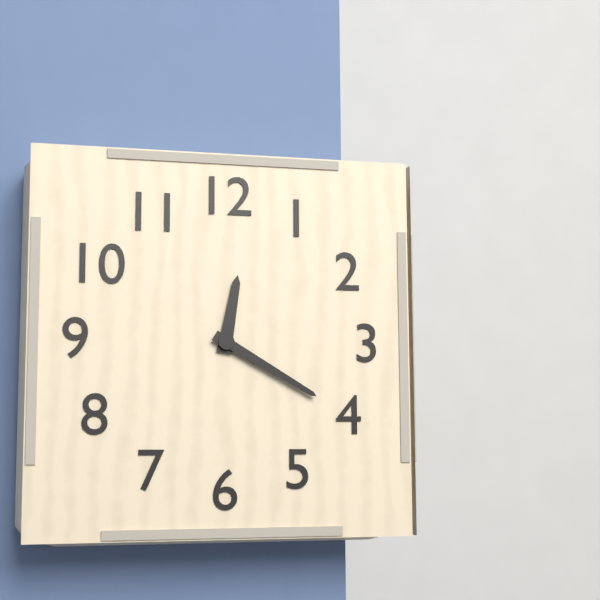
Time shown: {"hour": 12, "minute": 20}
